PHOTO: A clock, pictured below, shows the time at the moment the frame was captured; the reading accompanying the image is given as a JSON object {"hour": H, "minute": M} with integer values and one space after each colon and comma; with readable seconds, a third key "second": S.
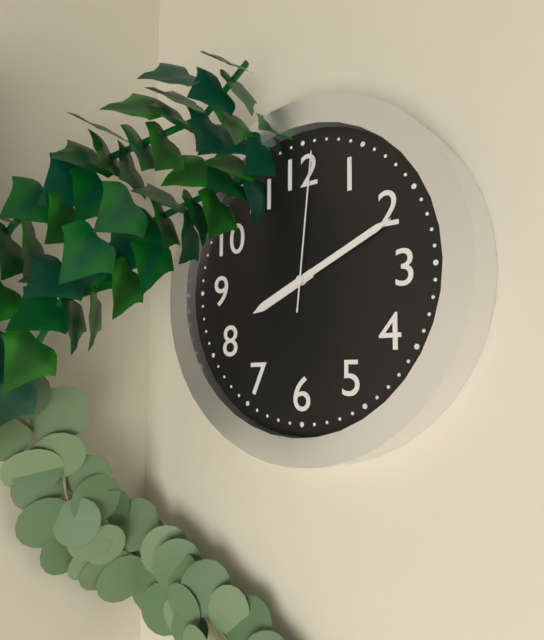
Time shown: {"hour": 8, "minute": 11, "second": 1}
